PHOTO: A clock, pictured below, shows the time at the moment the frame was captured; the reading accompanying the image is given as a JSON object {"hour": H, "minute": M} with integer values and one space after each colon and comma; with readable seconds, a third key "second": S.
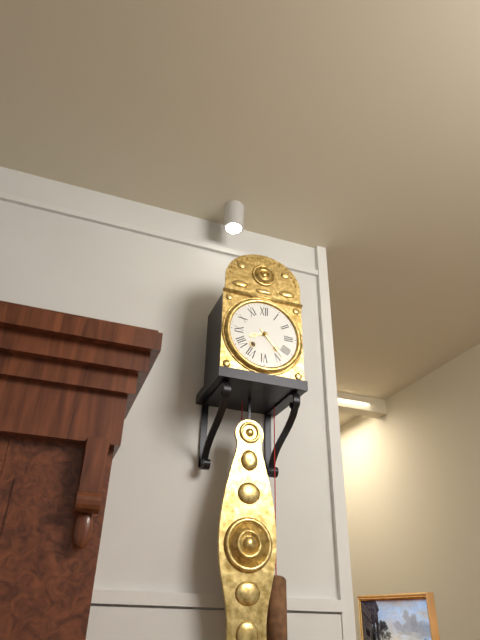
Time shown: {"hour": 8, "minute": 23}
